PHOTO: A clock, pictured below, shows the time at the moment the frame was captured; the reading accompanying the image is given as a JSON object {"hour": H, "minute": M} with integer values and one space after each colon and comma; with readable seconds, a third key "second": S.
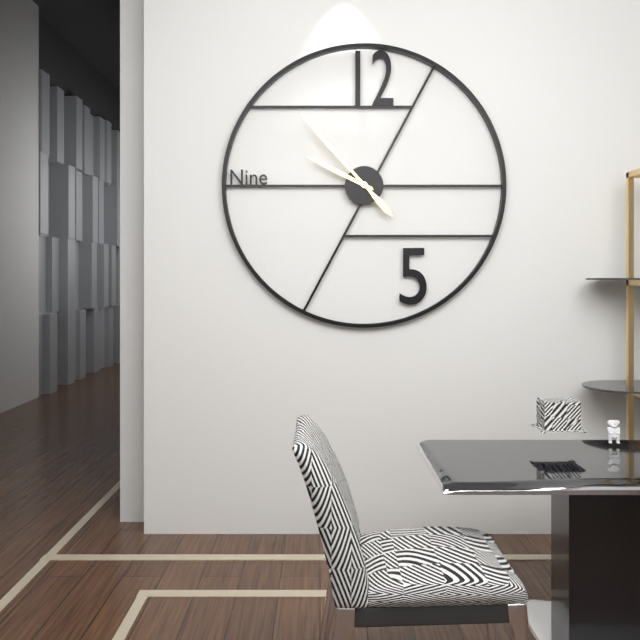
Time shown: {"hour": 9, "minute": 53}
